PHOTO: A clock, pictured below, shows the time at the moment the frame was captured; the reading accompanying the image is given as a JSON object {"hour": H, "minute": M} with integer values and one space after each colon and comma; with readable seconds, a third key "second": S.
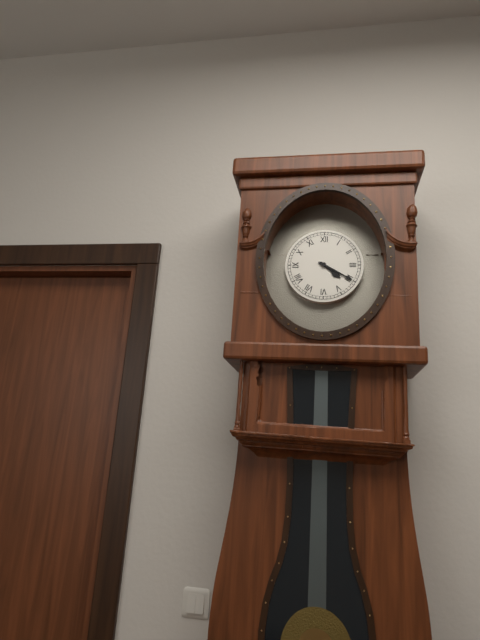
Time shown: {"hour": 4, "minute": 20}
